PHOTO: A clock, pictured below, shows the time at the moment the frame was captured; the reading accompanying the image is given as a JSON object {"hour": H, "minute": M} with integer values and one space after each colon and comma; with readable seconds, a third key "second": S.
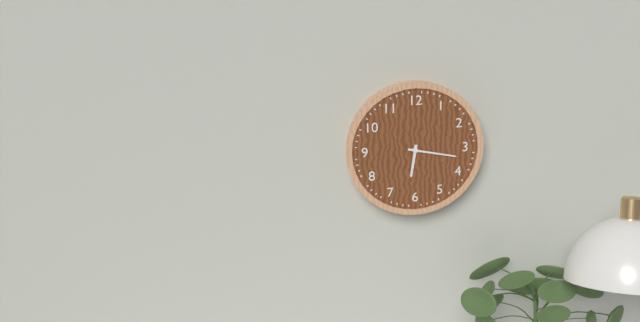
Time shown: {"hour": 6, "minute": 17}
